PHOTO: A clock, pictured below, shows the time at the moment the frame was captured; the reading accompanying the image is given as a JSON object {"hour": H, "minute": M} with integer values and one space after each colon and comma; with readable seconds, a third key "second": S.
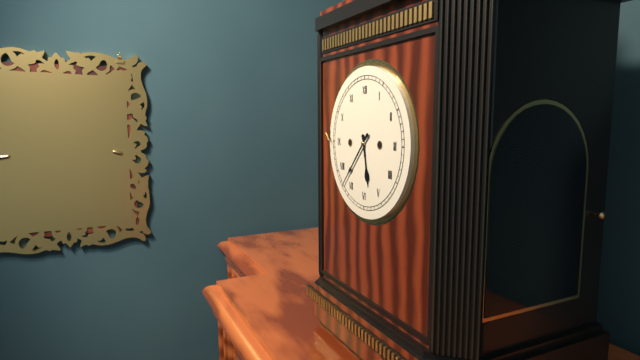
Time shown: {"hour": 5, "minute": 37}
